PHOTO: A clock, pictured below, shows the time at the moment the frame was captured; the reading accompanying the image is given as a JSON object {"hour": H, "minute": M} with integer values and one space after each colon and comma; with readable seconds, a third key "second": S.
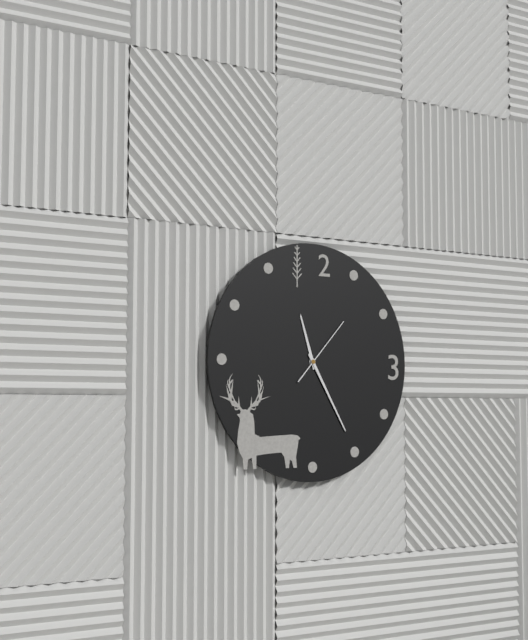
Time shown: {"hour": 11, "minute": 25, "second": 7}
